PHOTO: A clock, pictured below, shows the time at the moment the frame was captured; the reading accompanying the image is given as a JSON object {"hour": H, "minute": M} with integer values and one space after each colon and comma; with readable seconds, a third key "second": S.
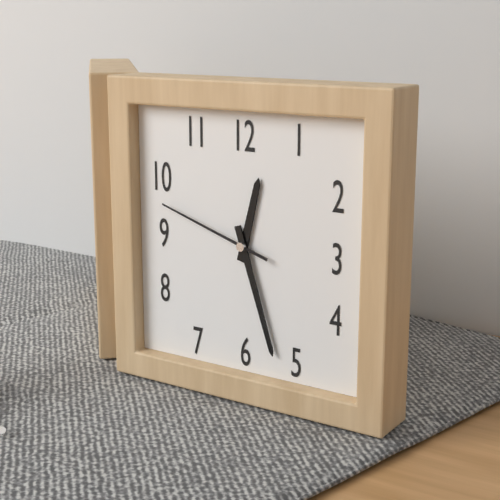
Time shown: {"hour": 12, "minute": 27, "second": 48}
